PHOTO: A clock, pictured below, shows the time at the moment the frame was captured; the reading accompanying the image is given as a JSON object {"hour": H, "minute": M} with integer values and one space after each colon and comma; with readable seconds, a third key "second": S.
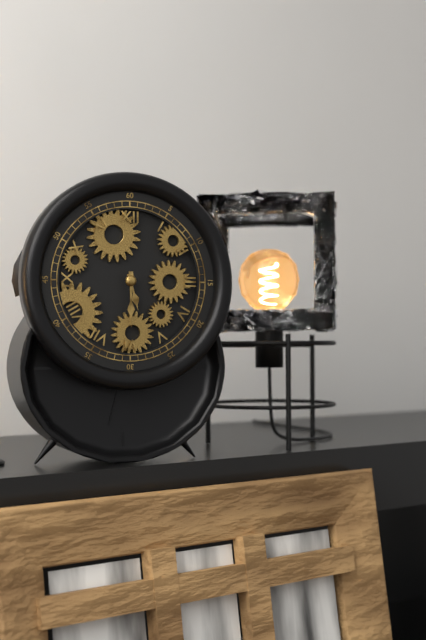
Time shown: {"hour": 5, "minute": 30}
